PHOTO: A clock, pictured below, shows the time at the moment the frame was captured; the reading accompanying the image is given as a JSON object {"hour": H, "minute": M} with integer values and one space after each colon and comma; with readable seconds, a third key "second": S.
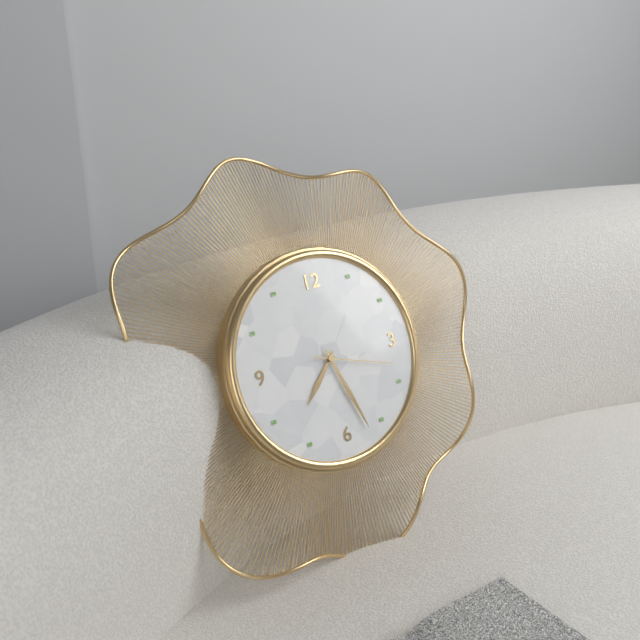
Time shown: {"hour": 7, "minute": 27, "second": 18}
